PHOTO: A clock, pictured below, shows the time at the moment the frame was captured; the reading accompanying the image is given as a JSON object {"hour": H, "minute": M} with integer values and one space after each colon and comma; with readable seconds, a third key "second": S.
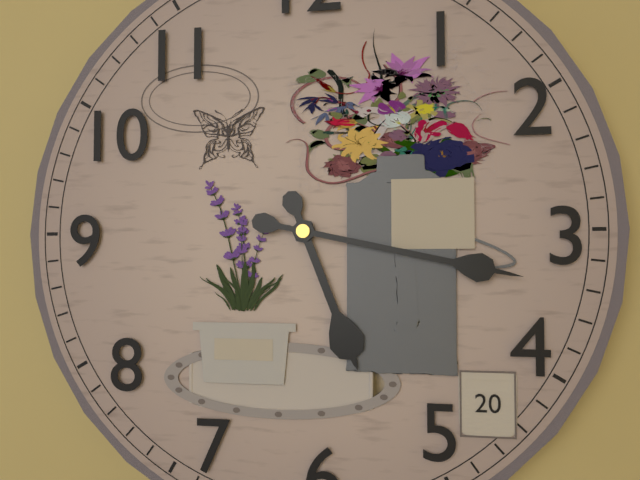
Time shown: {"hour": 5, "minute": 17}
